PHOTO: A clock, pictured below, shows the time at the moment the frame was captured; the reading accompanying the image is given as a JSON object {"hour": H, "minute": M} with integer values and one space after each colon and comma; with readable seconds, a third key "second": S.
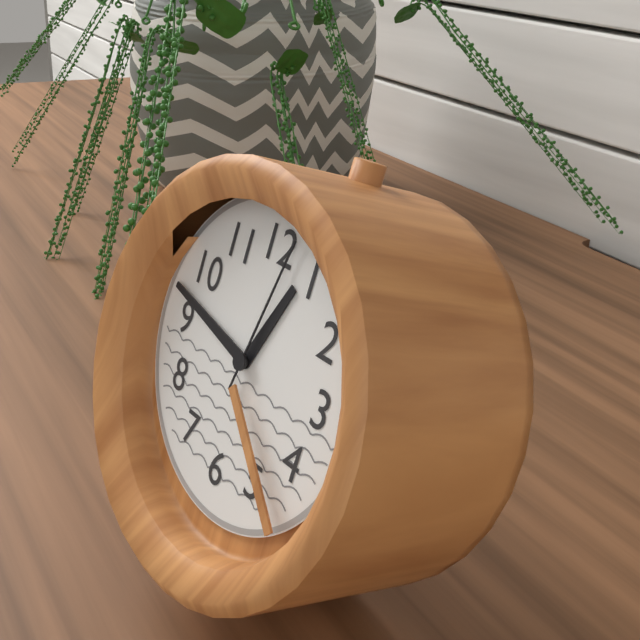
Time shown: {"hour": 12, "minute": 47, "second": 2}
